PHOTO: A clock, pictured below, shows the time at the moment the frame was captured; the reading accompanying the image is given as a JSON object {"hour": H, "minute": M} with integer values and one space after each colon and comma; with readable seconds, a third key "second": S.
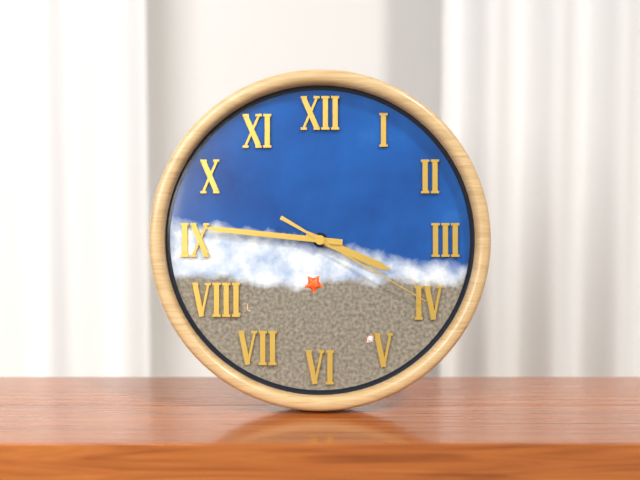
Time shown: {"hour": 3, "minute": 46, "second": 20}
